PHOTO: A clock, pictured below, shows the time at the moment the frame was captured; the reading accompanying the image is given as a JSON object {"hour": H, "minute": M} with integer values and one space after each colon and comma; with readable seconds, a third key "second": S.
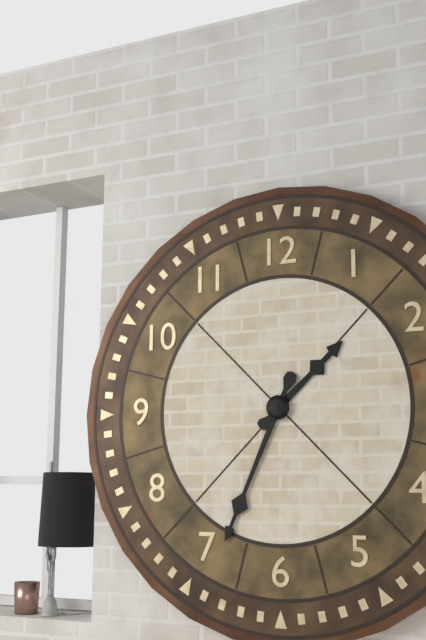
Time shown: {"hour": 1, "minute": 34}
